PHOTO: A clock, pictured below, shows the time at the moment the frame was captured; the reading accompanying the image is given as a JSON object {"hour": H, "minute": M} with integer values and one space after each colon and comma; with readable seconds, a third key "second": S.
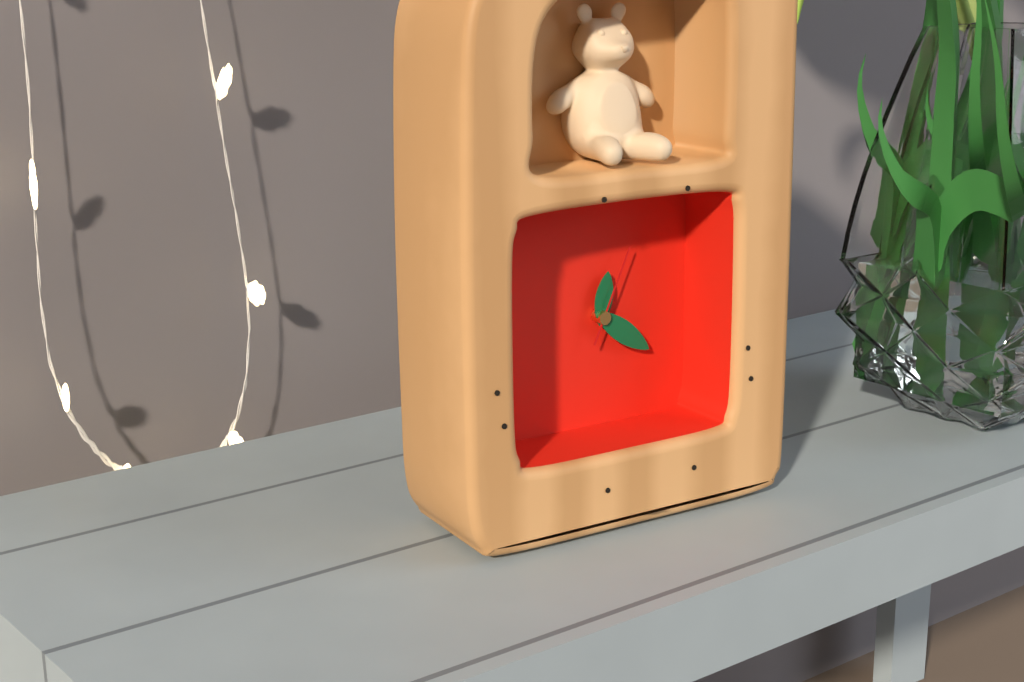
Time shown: {"hour": 12, "minute": 21, "second": 4}
